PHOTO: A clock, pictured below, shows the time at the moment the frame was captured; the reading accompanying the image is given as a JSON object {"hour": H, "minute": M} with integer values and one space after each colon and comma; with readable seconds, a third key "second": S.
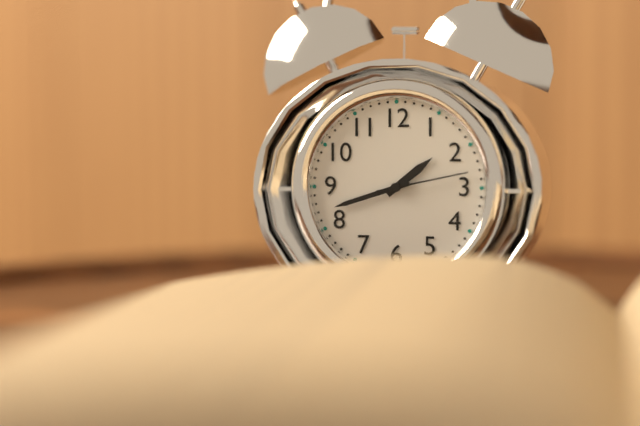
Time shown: {"hour": 1, "minute": 42, "second": 13}
